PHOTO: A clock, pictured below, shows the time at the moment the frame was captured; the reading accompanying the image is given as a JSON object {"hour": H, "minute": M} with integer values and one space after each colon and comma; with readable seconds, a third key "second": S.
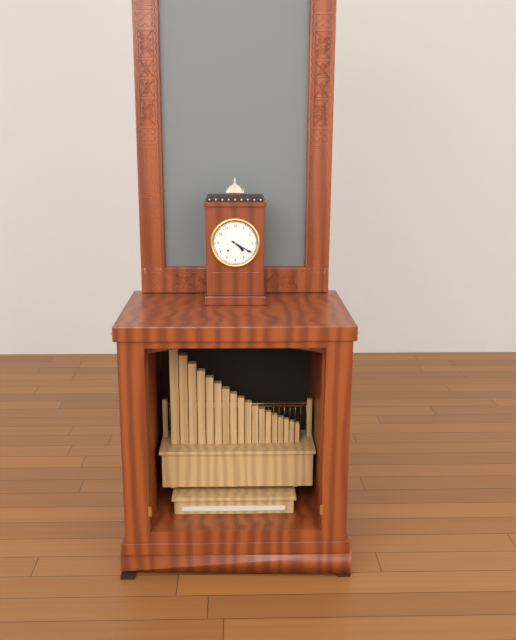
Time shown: {"hour": 4, "minute": 20}
